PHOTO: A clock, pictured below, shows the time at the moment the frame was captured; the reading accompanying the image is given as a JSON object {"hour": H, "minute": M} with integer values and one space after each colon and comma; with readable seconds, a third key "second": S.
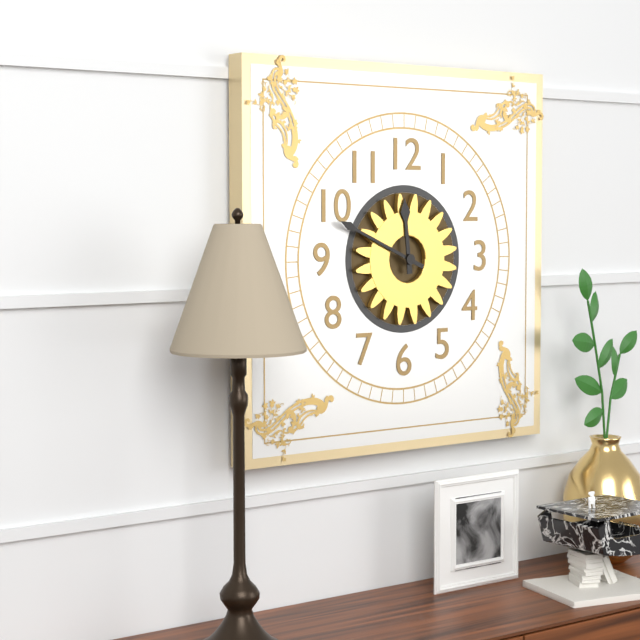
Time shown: {"hour": 11, "minute": 49}
